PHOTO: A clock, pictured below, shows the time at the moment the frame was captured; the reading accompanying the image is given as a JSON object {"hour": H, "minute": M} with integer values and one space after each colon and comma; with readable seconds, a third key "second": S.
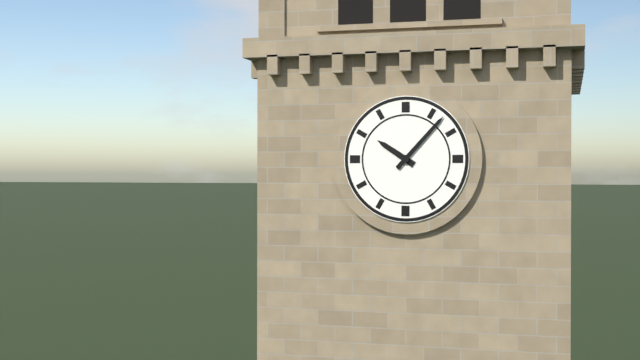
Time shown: {"hour": 10, "minute": 7}
